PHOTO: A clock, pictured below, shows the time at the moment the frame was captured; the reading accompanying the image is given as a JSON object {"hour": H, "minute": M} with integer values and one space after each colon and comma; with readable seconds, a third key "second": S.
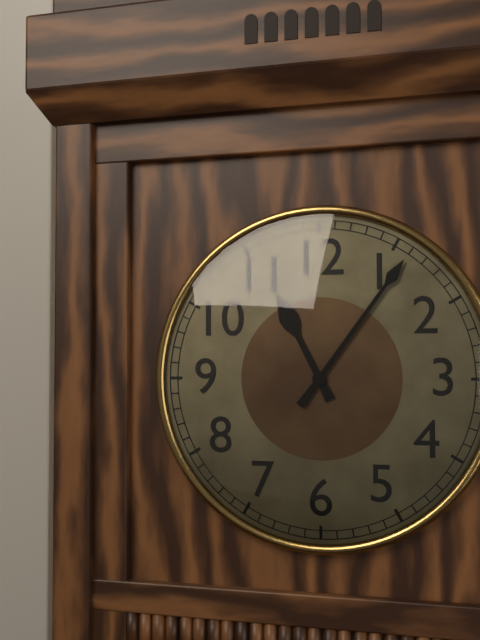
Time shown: {"hour": 11, "minute": 6}
